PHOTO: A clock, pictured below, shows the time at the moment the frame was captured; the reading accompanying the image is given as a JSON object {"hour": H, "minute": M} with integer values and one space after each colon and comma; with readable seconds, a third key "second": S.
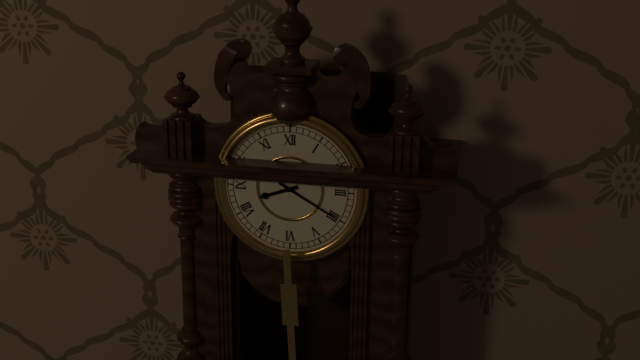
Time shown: {"hour": 8, "minute": 20}
